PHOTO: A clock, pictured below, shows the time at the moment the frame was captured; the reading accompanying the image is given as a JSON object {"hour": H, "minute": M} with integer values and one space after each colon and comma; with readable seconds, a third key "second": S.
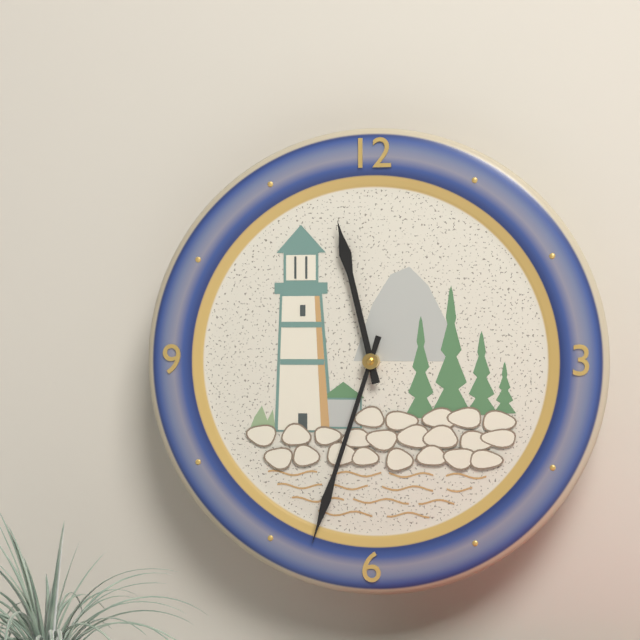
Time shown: {"hour": 11, "minute": 33}
